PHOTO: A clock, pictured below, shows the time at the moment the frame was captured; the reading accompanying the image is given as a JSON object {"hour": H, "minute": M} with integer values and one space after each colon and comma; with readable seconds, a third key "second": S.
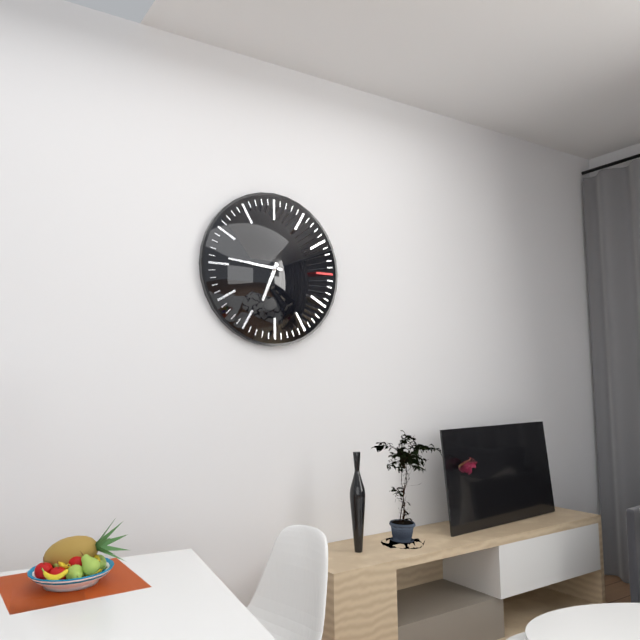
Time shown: {"hour": 6, "minute": 46}
